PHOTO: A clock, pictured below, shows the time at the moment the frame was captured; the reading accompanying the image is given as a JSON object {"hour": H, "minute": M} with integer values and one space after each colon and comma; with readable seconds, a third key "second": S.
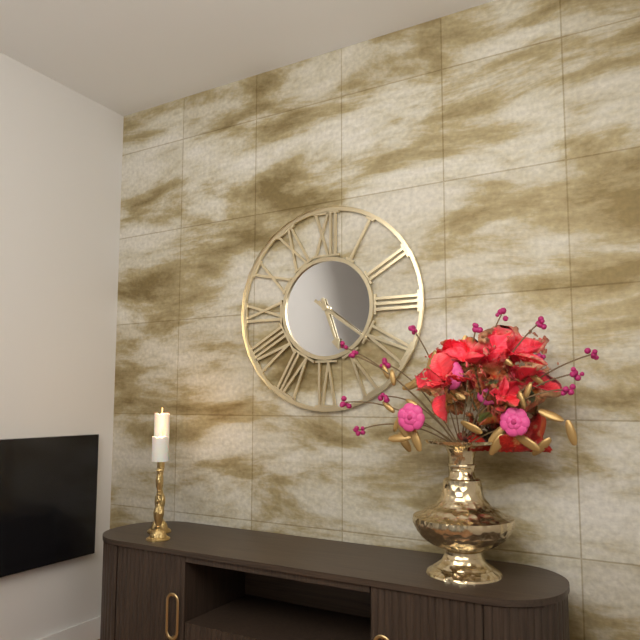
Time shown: {"hour": 5, "minute": 21}
